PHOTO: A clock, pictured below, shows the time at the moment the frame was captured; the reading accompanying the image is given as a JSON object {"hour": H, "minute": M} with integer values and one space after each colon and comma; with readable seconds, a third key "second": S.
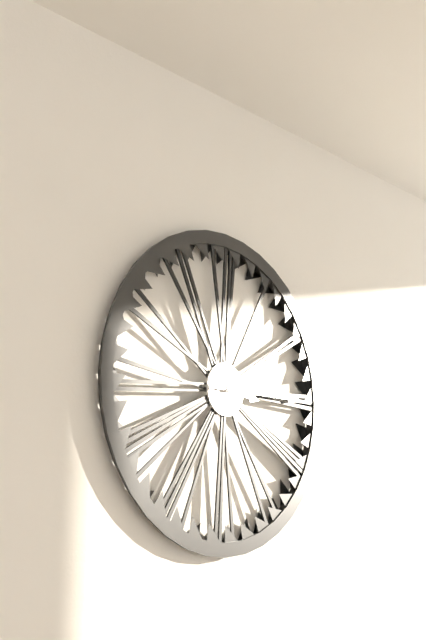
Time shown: {"hour": 3, "minute": 15}
